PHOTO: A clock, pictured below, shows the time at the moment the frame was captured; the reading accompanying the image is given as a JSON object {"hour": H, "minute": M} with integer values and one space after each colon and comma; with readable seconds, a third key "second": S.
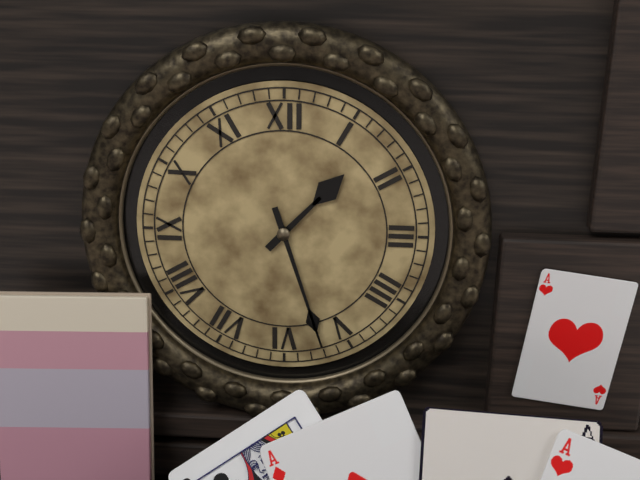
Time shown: {"hour": 1, "minute": 27}
